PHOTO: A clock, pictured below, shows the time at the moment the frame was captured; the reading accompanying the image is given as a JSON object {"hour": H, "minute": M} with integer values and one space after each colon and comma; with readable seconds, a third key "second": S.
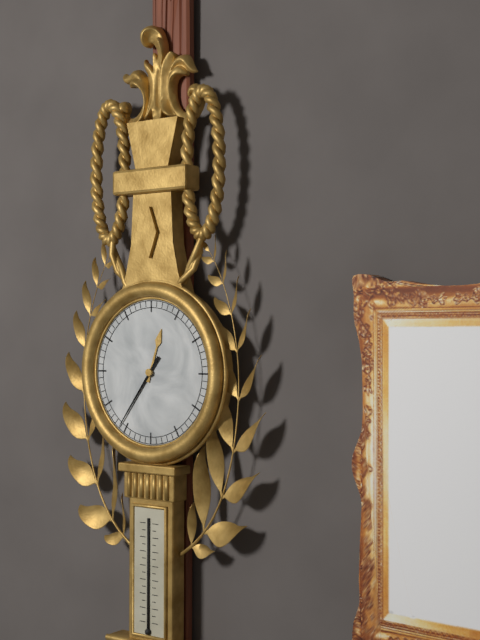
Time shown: {"hour": 12, "minute": 36}
